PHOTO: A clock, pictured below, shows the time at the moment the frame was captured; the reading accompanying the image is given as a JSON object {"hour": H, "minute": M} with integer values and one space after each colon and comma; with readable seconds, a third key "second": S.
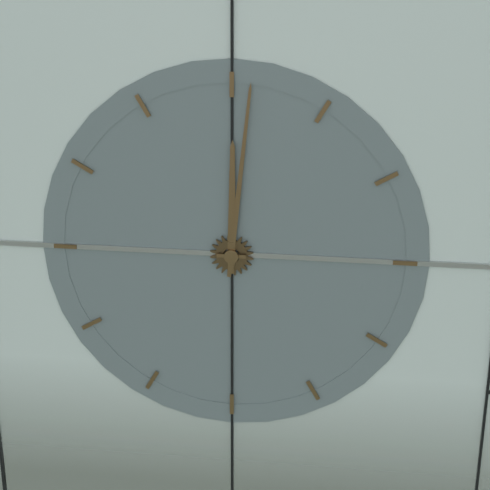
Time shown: {"hour": 12, "minute": 1}
